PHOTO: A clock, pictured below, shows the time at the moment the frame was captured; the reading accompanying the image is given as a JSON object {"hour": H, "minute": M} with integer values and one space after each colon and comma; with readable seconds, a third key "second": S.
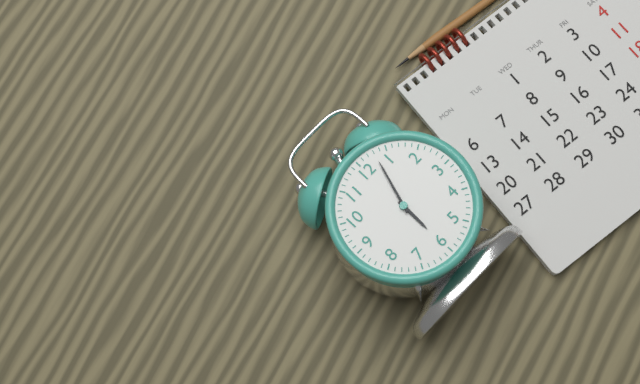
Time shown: {"hour": 6, "minute": 3}
